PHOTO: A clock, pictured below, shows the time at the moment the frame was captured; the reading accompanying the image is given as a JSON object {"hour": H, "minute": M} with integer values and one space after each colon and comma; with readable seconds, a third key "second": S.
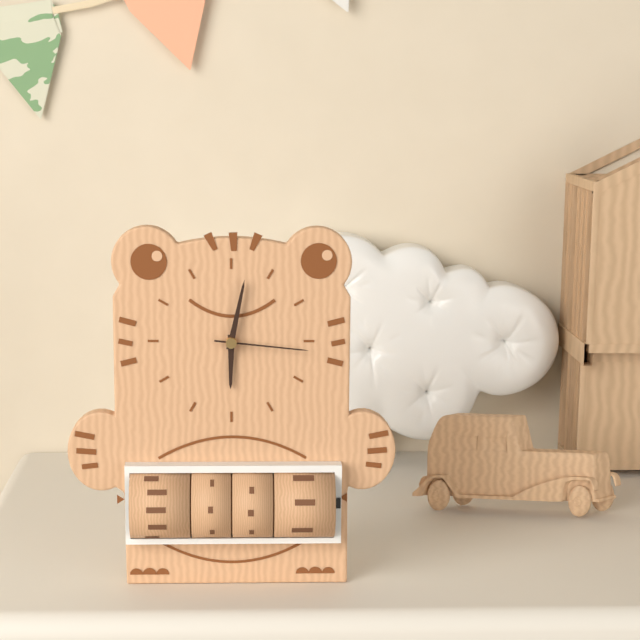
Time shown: {"hour": 6, "minute": 2, "second": 16}
